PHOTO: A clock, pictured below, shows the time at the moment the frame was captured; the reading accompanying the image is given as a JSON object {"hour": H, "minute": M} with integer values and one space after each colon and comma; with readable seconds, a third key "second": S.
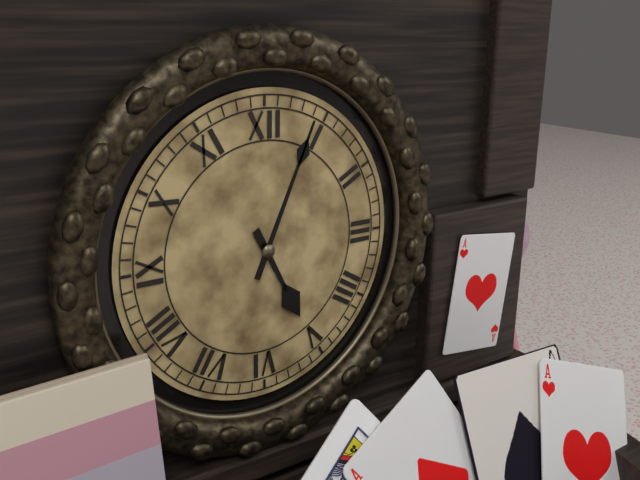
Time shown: {"hour": 5, "minute": 4}
